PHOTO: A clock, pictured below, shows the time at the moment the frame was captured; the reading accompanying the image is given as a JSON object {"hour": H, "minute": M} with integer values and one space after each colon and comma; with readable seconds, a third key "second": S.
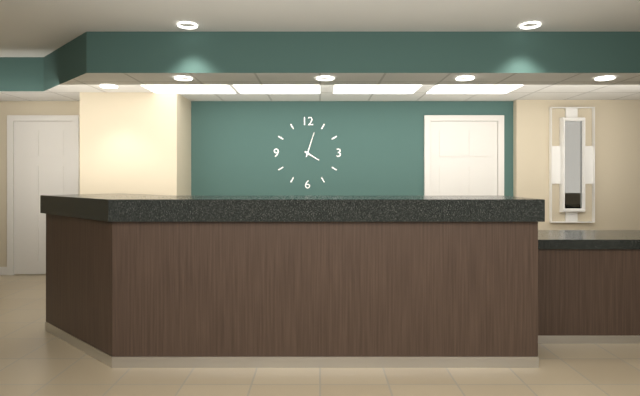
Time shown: {"hour": 4, "minute": 3}
